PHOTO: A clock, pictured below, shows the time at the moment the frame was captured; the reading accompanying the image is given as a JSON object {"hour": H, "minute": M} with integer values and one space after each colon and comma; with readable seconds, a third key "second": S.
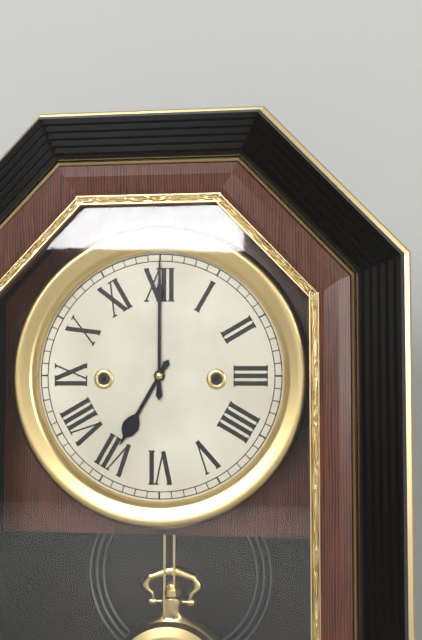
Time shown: {"hour": 7, "minute": 0}
